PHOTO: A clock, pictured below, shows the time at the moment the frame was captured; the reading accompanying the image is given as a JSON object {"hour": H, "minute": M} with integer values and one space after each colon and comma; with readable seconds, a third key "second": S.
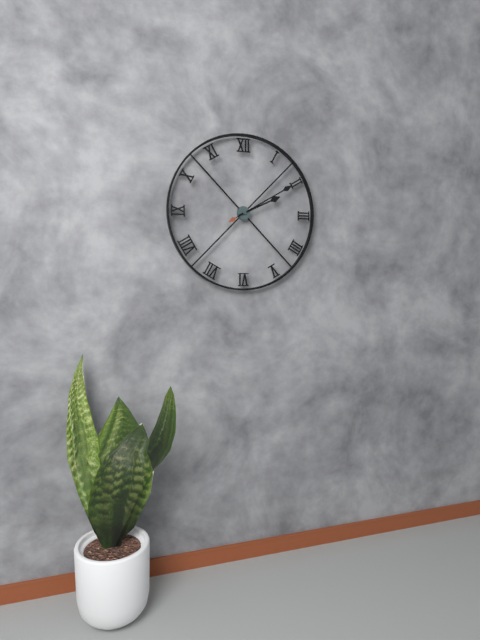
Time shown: {"hour": 2, "minute": 10}
